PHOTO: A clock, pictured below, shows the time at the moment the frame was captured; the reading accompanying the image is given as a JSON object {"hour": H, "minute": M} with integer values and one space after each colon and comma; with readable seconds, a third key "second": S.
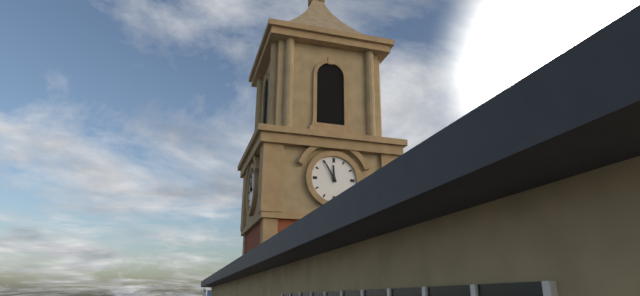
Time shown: {"hour": 11, "minute": 55}
